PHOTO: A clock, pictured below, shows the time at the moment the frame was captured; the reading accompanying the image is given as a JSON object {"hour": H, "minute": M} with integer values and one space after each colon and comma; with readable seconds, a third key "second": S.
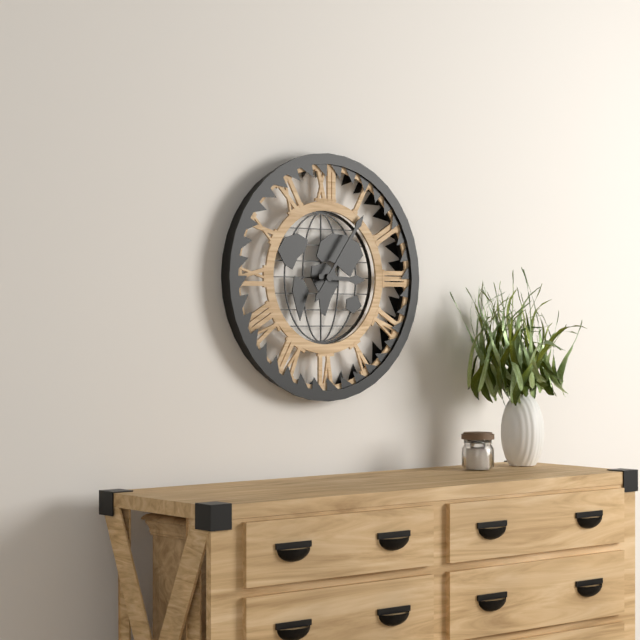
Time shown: {"hour": 3, "minute": 6}
